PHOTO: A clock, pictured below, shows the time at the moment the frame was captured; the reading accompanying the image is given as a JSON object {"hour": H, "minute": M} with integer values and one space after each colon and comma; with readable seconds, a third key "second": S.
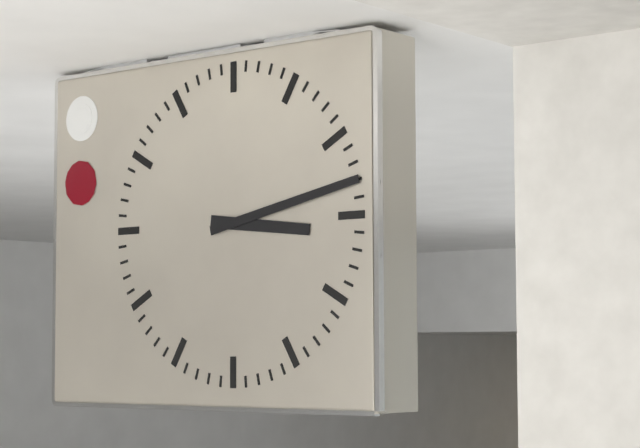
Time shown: {"hour": 3, "minute": 13}
